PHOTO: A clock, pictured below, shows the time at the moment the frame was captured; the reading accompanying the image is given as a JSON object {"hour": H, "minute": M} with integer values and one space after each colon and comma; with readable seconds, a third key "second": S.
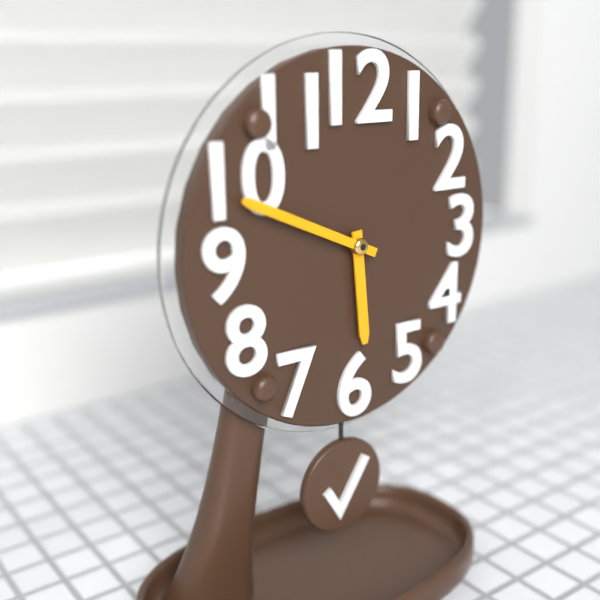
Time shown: {"hour": 5, "minute": 49}
